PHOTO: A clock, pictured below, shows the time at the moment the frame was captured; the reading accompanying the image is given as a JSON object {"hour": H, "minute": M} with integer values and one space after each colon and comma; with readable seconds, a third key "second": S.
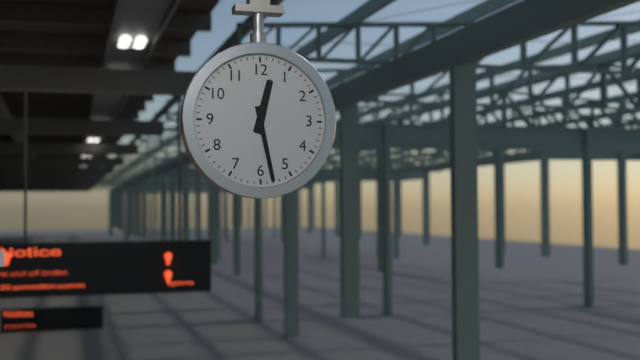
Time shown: {"hour": 12, "minute": 28}
